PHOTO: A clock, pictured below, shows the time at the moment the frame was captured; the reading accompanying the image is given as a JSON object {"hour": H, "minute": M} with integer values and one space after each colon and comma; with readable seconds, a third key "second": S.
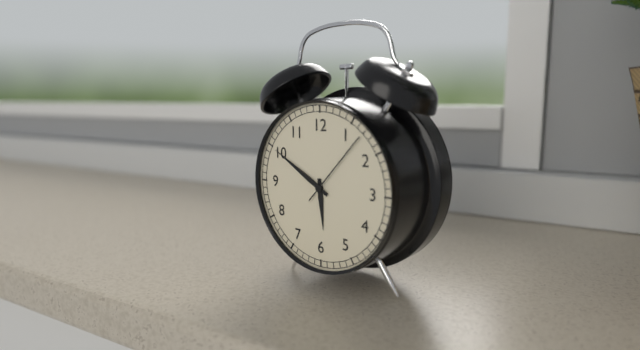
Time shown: {"hour": 5, "minute": 50, "second": 7}
